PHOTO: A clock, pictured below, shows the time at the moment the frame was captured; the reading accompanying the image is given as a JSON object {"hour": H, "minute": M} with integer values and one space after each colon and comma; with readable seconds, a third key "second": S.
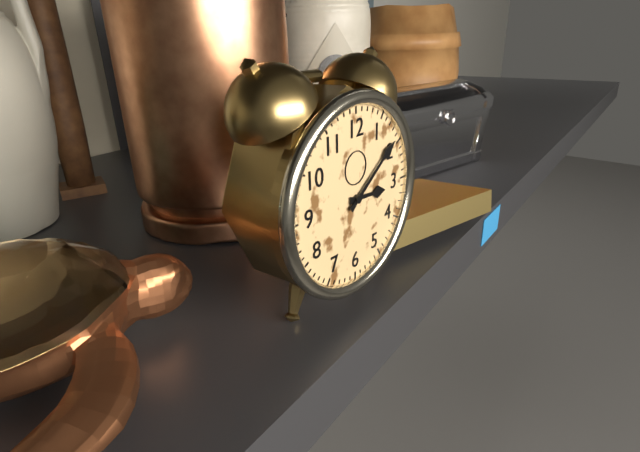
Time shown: {"hour": 3, "minute": 9}
